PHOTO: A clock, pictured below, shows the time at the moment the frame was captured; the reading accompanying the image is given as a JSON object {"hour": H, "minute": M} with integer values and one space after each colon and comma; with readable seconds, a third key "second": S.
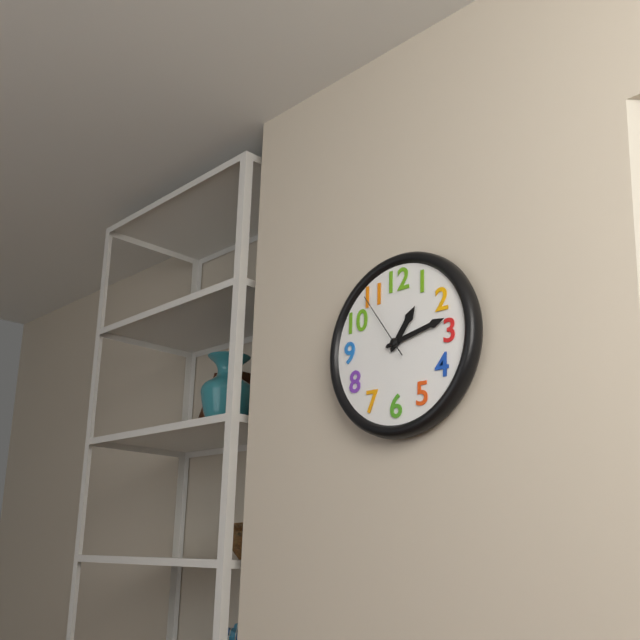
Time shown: {"hour": 1, "minute": 13, "second": 54}
